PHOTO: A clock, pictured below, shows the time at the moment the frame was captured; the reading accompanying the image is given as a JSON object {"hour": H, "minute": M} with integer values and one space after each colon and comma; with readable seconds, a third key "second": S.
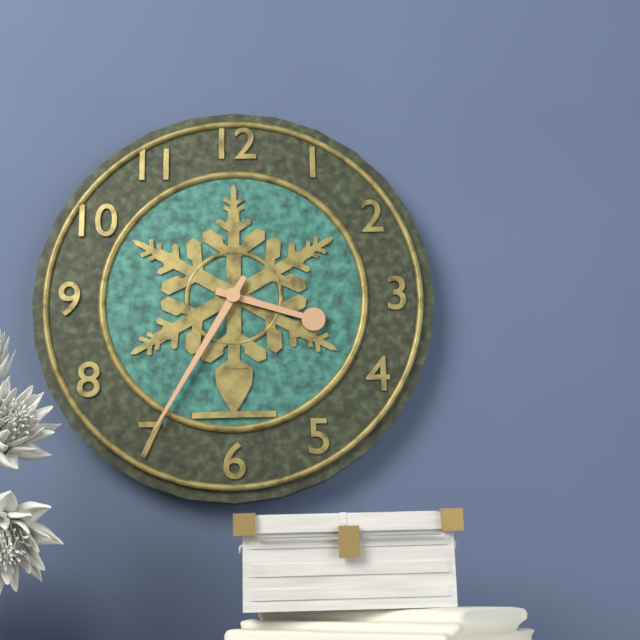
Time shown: {"hour": 3, "minute": 35}
